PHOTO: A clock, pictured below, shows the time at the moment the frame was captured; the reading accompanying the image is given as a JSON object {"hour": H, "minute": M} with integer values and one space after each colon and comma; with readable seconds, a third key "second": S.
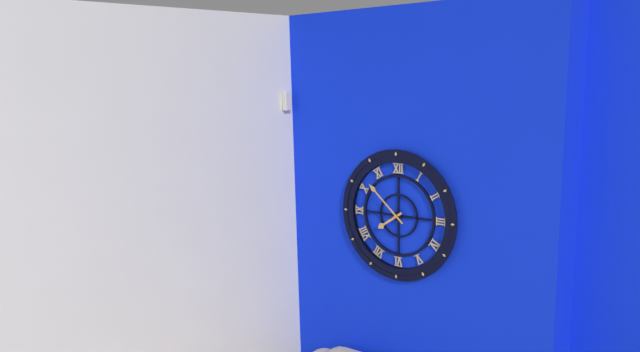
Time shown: {"hour": 7, "minute": 52}
